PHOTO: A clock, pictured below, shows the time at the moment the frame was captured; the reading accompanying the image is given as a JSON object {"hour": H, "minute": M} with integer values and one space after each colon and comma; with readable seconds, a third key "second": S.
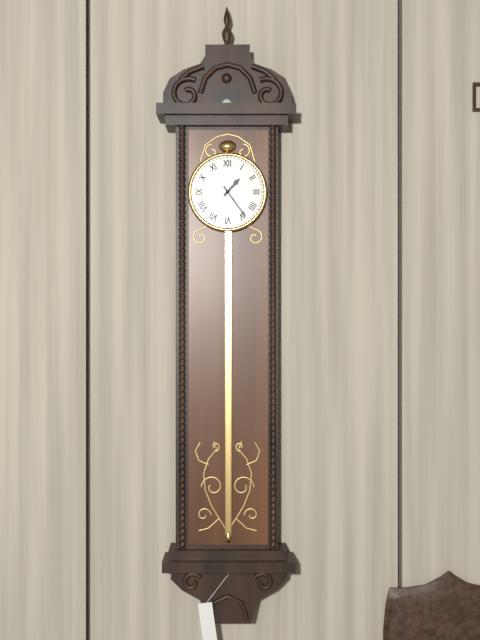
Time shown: {"hour": 1, "minute": 24}
